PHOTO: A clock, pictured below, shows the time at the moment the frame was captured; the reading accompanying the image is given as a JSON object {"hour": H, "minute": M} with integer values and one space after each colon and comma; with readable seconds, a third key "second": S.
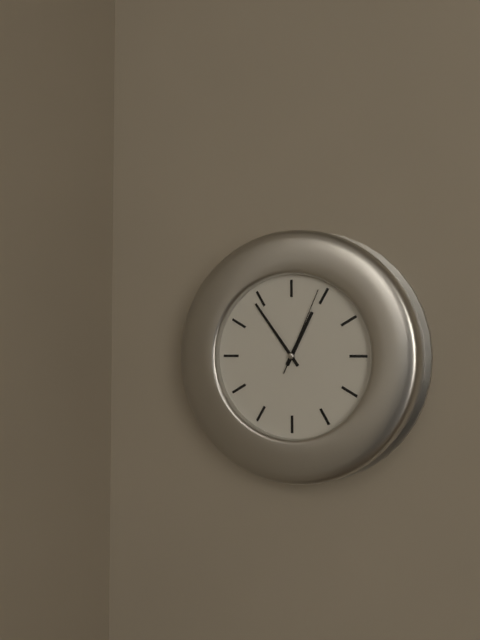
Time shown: {"hour": 12, "minute": 54, "second": 4}
